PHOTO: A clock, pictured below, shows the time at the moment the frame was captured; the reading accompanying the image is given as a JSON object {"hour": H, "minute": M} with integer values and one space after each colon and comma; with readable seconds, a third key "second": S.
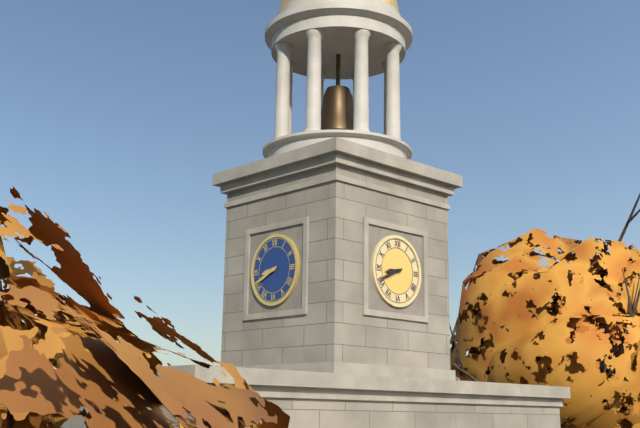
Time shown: {"hour": 8, "minute": 41}
